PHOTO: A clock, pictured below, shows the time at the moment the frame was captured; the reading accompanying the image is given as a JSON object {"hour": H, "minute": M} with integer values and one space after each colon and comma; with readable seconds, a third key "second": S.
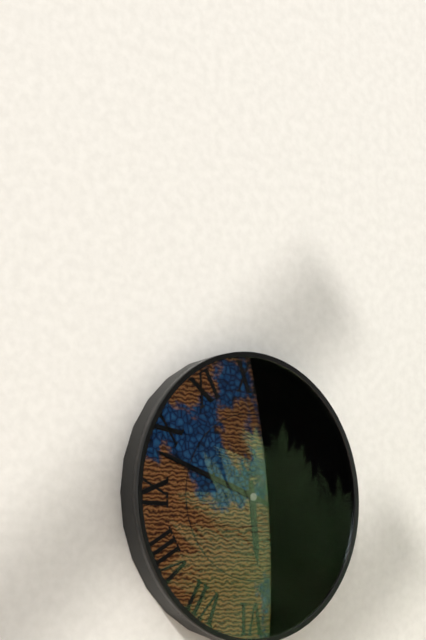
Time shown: {"hour": 5, "minute": 48}
